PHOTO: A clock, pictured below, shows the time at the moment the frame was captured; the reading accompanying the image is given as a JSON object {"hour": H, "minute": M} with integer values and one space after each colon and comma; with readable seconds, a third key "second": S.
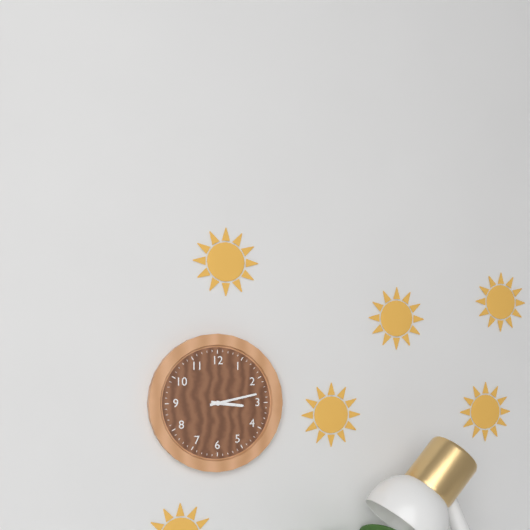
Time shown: {"hour": 3, "minute": 13}
